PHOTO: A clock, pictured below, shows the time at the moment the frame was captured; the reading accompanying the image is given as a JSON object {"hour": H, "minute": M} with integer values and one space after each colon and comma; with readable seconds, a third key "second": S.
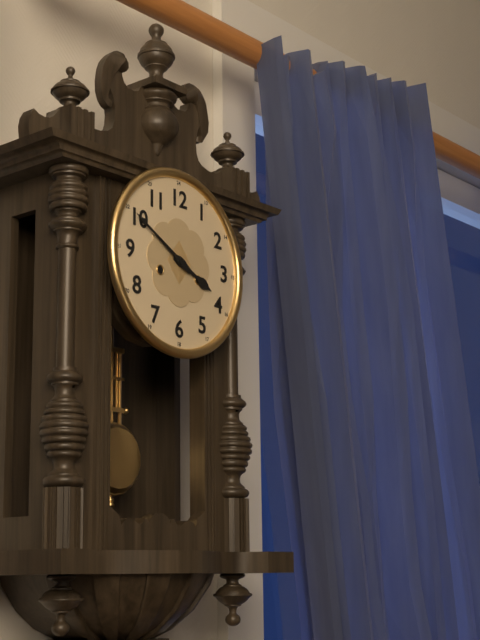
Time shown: {"hour": 3, "minute": 50}
